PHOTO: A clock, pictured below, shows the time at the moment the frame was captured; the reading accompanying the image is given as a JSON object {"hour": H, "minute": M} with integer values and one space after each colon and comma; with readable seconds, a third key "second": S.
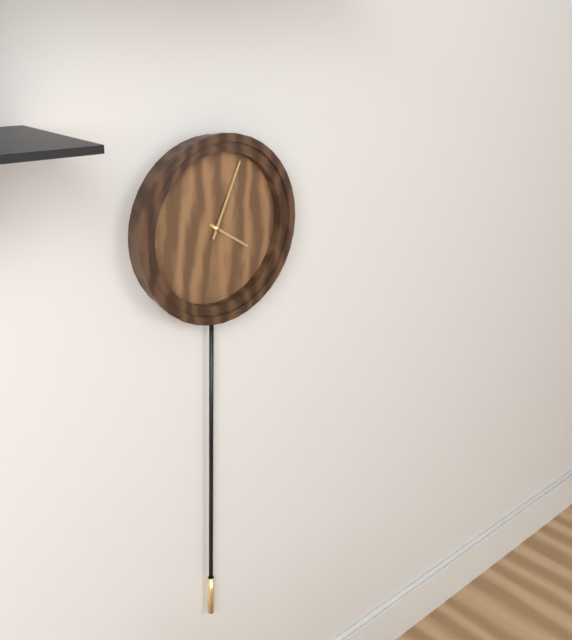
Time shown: {"hour": 4, "minute": 4}
